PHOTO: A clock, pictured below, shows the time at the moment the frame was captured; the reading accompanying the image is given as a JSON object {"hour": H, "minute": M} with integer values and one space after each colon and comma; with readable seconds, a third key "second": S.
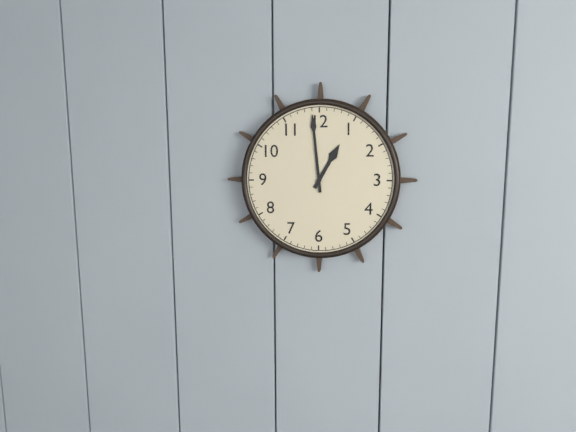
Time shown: {"hour": 12, "minute": 59}
